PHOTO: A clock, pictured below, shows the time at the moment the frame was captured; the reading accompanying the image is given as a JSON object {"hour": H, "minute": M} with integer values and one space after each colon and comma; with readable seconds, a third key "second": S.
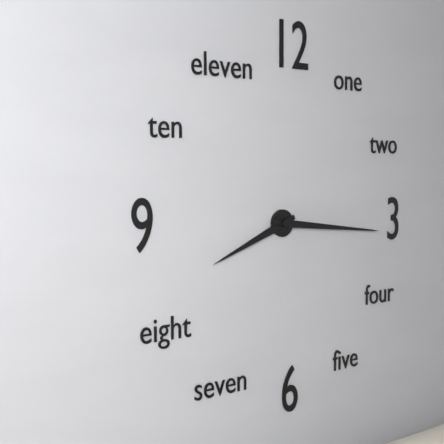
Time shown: {"hour": 8, "minute": 16}
